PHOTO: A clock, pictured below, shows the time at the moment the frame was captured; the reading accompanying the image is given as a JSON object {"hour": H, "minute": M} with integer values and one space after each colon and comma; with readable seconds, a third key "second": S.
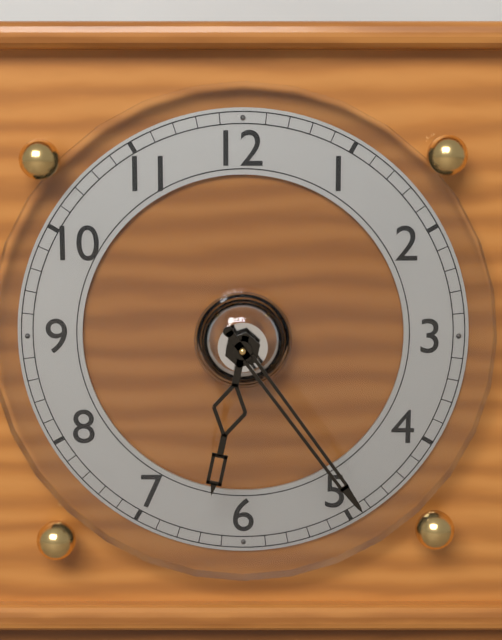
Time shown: {"hour": 6, "minute": 24}
